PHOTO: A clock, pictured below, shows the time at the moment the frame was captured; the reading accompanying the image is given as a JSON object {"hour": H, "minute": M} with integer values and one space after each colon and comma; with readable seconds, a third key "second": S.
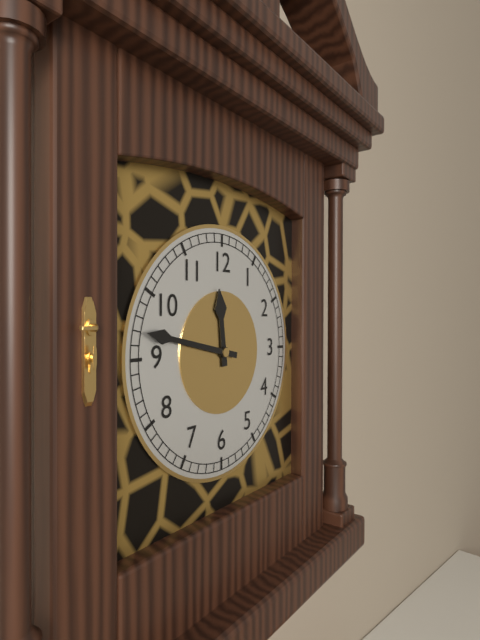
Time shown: {"hour": 11, "minute": 47}
